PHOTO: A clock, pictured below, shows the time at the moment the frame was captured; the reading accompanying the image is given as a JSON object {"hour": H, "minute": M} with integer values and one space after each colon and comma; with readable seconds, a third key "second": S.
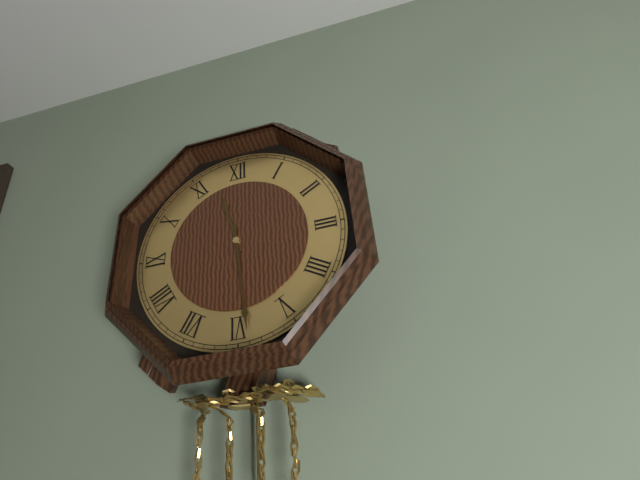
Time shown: {"hour": 11, "minute": 29}
